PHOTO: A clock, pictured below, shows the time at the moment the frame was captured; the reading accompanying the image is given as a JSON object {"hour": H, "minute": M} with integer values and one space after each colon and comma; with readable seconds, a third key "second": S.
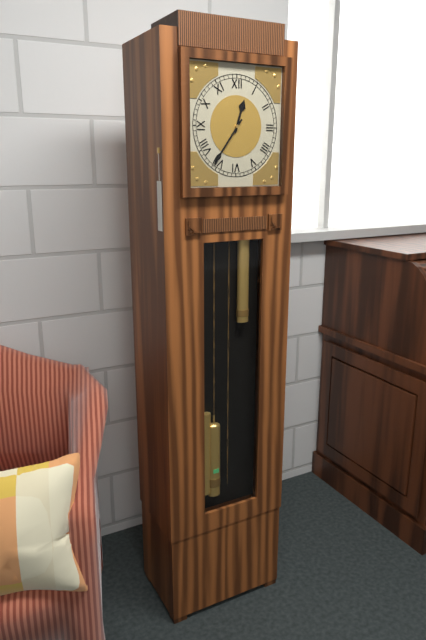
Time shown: {"hour": 12, "minute": 36}
